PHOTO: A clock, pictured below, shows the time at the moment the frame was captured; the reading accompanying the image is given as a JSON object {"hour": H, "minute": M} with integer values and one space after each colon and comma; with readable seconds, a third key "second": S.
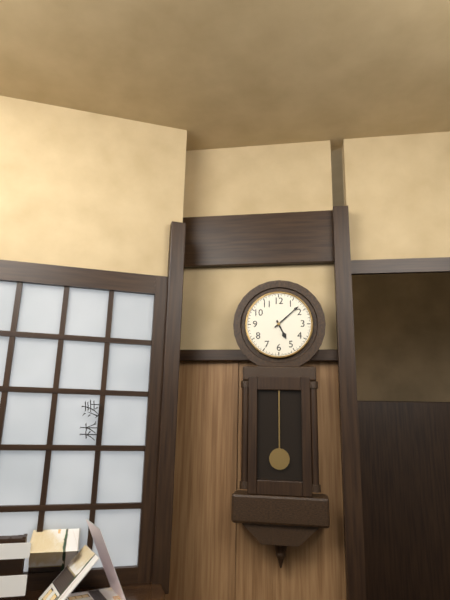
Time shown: {"hour": 5, "minute": 8}
